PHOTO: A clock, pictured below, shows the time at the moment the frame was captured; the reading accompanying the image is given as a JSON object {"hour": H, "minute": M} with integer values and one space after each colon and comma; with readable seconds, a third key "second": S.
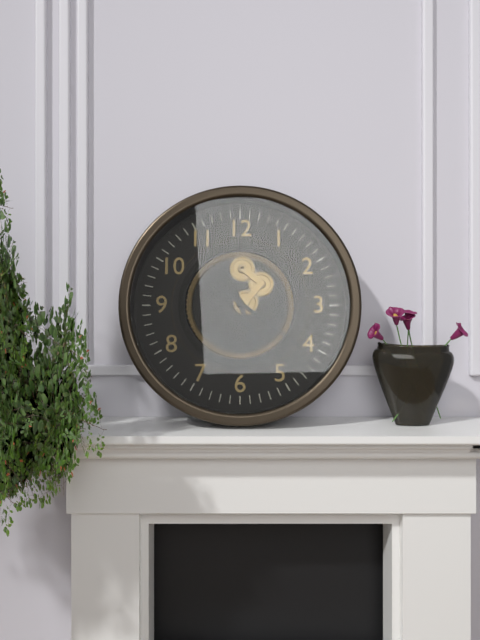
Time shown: {"hour": 5, "minute": 21}
